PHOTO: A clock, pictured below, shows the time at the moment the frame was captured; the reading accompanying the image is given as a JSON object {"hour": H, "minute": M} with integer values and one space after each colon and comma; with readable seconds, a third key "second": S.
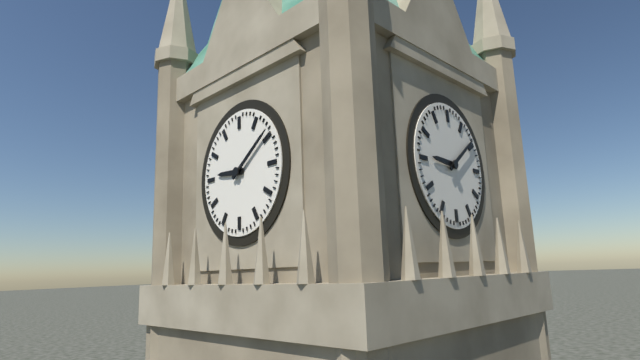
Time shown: {"hour": 9, "minute": 9}
